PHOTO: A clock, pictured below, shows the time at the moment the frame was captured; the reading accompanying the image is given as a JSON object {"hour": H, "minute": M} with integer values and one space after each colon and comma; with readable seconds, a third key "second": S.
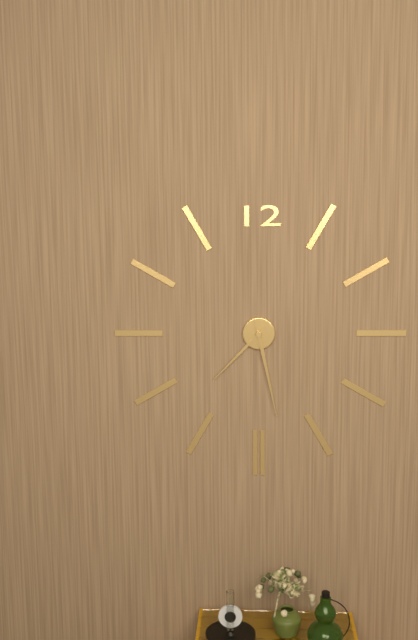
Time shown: {"hour": 7, "minute": 28}
